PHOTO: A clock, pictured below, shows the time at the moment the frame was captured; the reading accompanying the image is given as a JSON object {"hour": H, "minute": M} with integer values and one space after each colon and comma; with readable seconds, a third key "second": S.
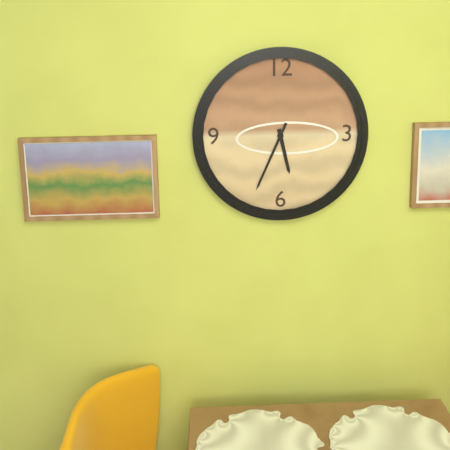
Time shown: {"hour": 5, "minute": 34}
